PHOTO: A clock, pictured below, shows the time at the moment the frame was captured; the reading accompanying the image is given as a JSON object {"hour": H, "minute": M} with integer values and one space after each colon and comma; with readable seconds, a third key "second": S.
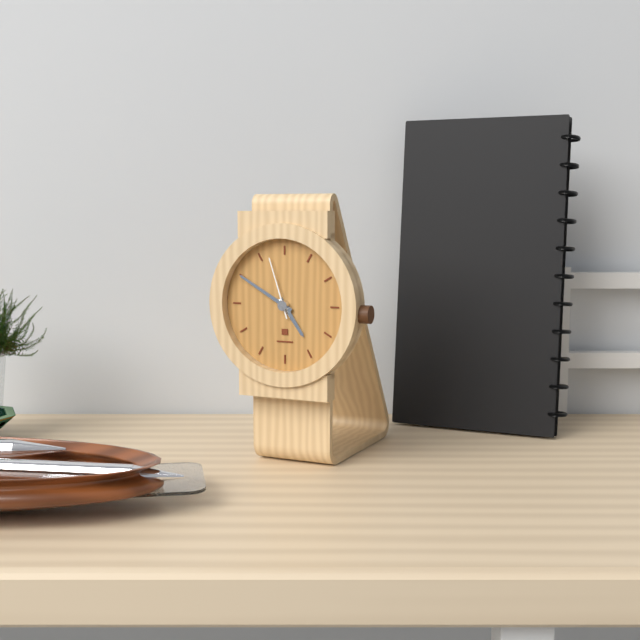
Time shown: {"hour": 4, "minute": 50, "second": 57}
